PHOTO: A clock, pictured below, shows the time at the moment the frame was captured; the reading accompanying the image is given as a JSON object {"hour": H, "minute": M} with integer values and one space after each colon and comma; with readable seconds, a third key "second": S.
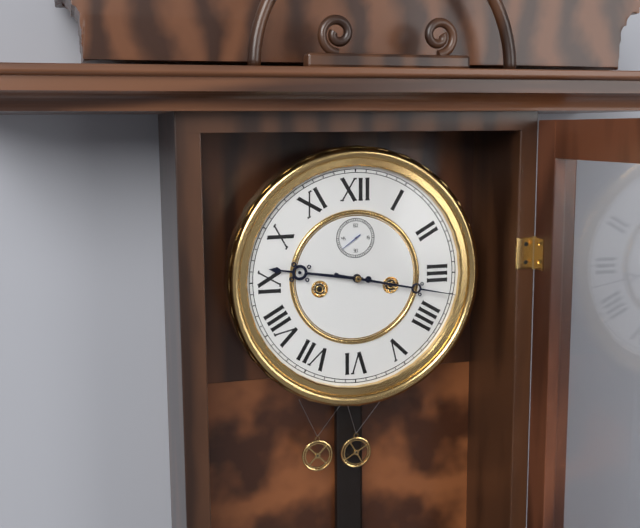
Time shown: {"hour": 9, "minute": 17}
